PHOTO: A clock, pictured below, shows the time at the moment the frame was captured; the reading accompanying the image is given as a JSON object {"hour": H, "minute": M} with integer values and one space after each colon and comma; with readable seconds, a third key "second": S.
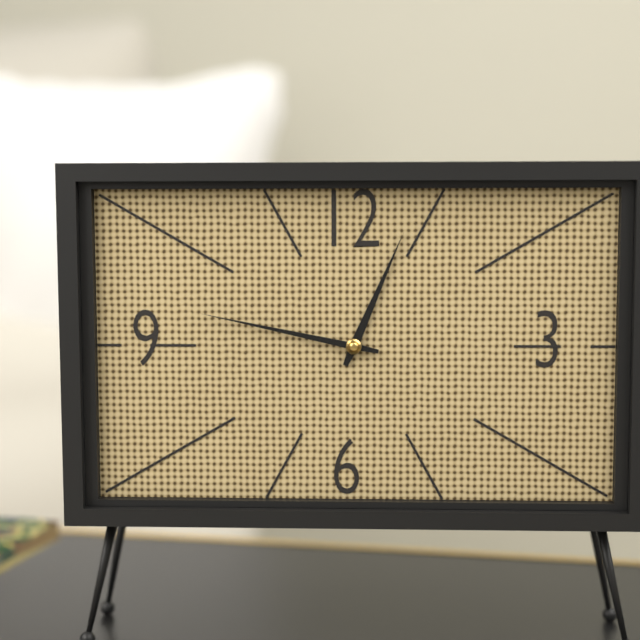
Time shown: {"hour": 12, "minute": 47}
